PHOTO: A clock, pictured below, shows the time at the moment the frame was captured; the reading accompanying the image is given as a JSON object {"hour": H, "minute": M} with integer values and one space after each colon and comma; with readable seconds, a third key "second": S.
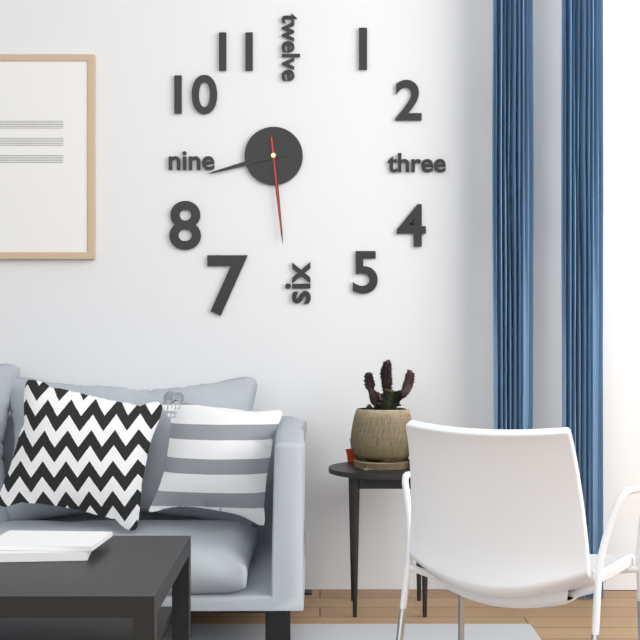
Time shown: {"hour": 8, "minute": 29, "second": 29}
